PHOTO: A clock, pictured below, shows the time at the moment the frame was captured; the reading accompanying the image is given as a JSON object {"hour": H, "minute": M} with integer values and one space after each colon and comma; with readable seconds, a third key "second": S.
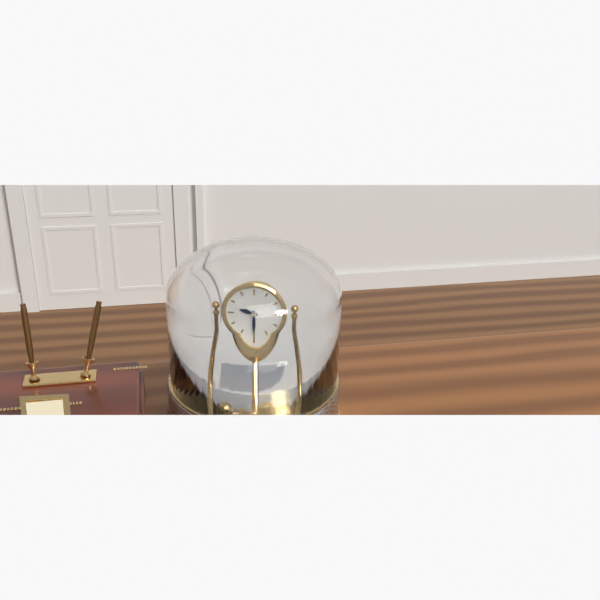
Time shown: {"hour": 9, "minute": 30}
